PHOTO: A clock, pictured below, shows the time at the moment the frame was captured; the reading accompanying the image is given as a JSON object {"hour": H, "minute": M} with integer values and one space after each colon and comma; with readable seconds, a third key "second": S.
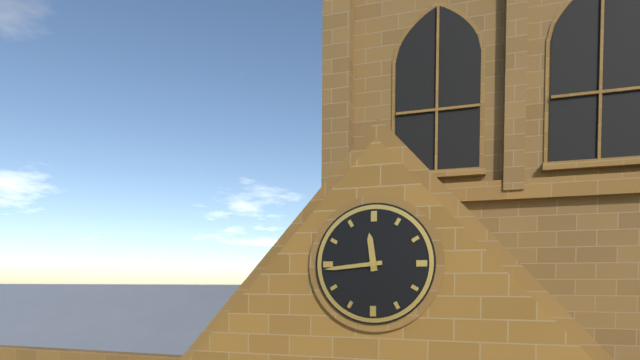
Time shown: {"hour": 11, "minute": 44}
